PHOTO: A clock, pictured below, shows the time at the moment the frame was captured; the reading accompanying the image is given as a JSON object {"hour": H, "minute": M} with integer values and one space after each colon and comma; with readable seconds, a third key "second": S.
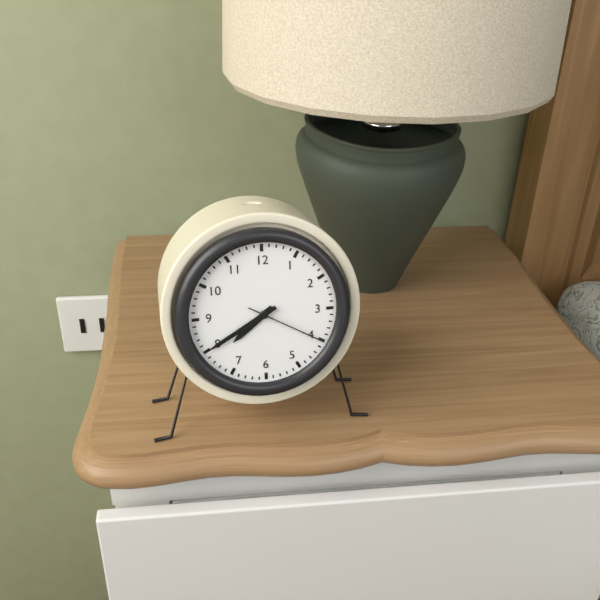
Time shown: {"hour": 7, "minute": 40, "second": 20}
